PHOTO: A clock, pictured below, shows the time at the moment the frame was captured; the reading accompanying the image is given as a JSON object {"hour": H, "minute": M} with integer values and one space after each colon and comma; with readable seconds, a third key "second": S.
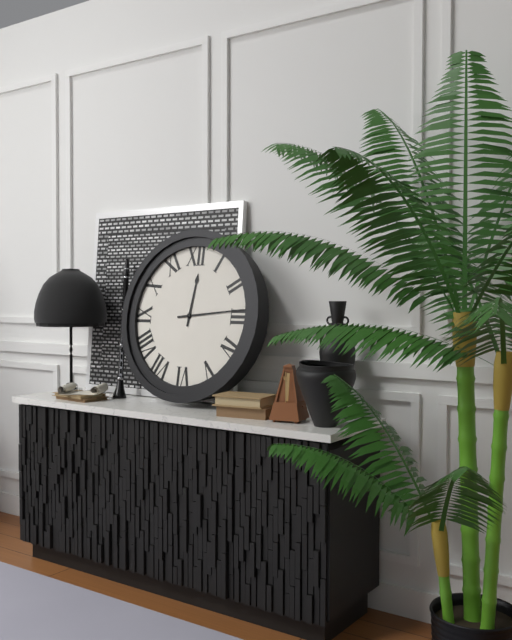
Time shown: {"hour": 12, "minute": 14}
